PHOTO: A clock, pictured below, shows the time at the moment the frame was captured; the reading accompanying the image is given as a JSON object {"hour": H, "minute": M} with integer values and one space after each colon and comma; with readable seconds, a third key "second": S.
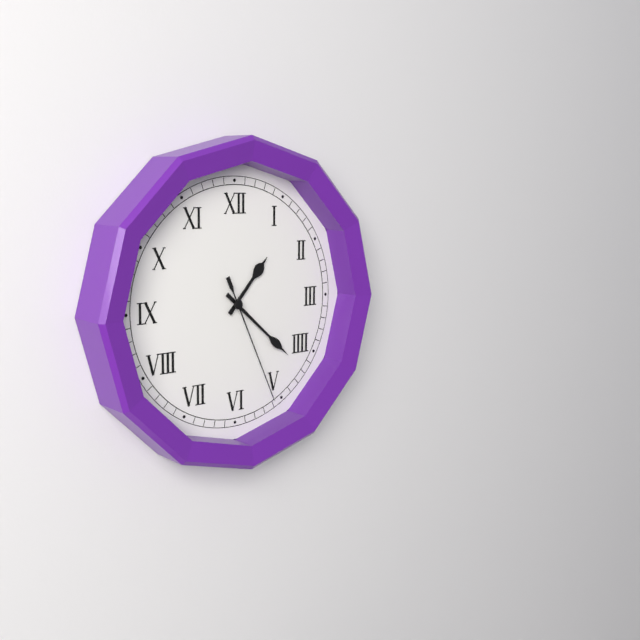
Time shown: {"hour": 1, "minute": 22, "second": 26}
